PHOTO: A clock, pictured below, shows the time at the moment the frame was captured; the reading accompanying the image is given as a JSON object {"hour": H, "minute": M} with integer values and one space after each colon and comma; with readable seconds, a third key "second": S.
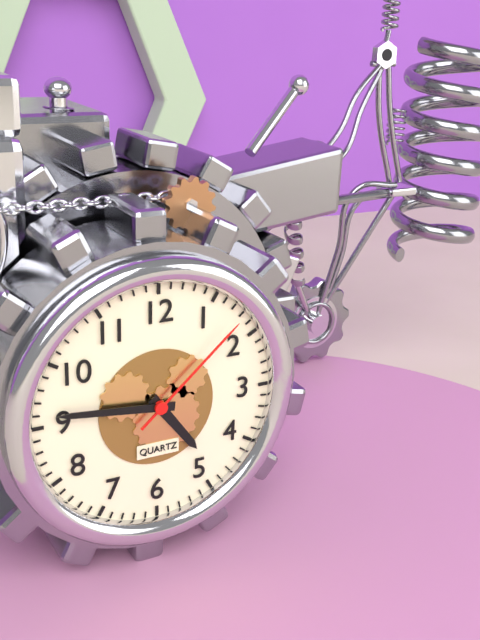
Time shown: {"hour": 4, "minute": 46, "second": 8}
